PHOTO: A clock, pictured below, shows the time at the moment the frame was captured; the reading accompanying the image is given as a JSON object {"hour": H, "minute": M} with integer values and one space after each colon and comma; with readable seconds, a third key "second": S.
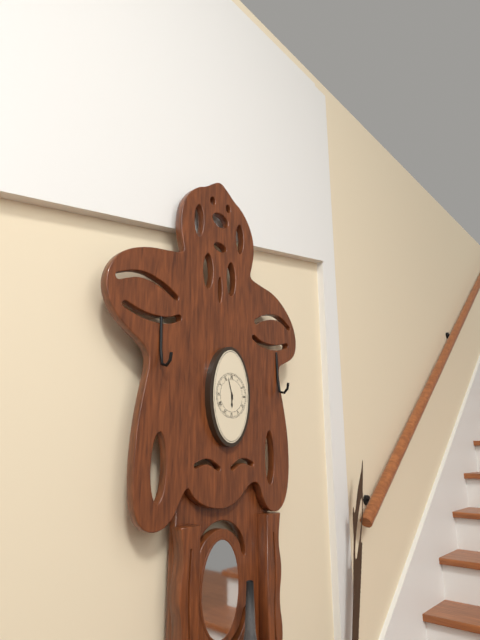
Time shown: {"hour": 5, "minute": 57}
